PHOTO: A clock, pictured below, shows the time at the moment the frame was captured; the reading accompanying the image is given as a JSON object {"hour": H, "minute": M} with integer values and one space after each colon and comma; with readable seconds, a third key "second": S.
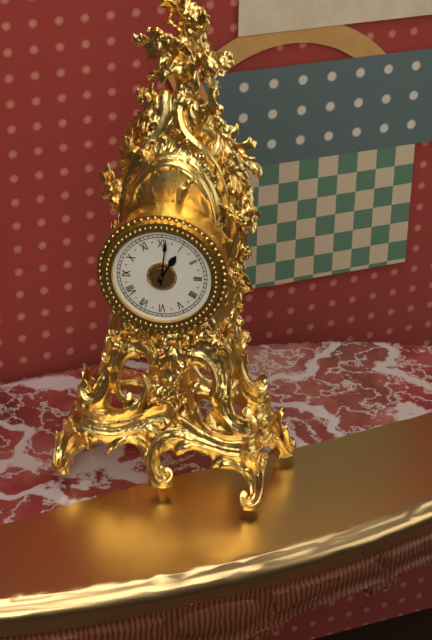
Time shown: {"hour": 1, "minute": 1}
